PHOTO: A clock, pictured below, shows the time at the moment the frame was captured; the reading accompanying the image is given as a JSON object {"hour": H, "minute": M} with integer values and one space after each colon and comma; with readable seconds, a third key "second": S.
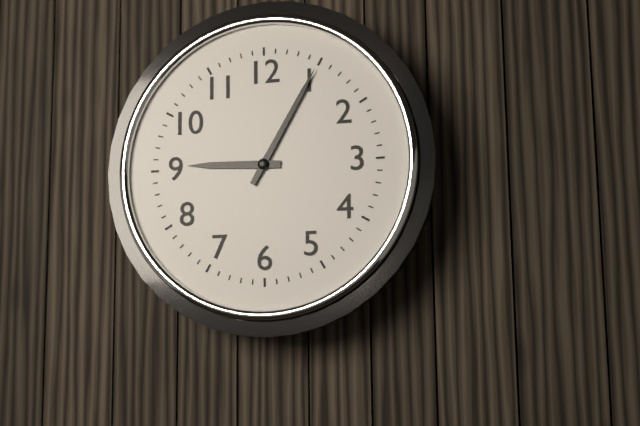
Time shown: {"hour": 9, "minute": 5}
